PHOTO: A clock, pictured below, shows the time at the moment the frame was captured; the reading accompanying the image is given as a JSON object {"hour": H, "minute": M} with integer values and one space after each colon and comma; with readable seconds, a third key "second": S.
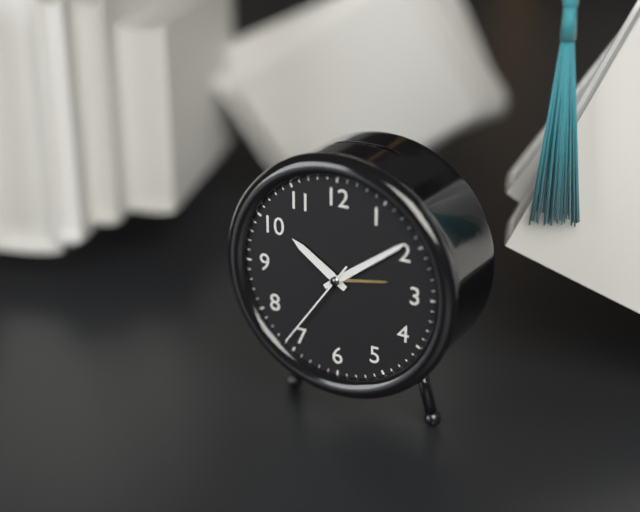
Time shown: {"hour": 10, "minute": 9, "second": 36}
